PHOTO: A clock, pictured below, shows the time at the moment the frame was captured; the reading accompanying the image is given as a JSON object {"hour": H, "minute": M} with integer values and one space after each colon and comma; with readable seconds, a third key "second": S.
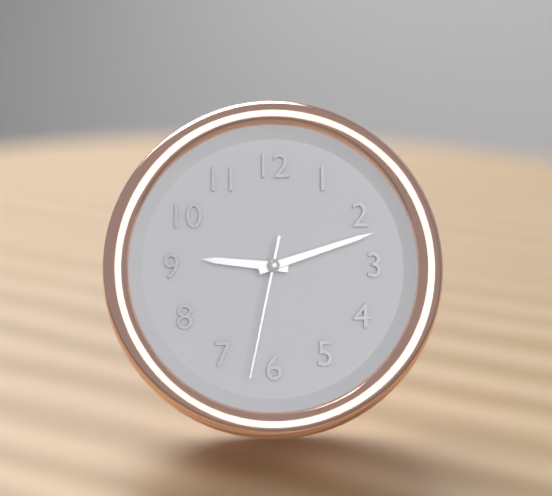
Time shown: {"hour": 9, "minute": 12, "second": 32}
